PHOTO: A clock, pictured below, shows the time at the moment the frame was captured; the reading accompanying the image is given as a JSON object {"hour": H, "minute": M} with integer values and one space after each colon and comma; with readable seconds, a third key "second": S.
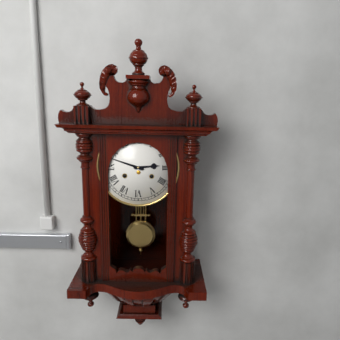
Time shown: {"hour": 2, "minute": 48}
